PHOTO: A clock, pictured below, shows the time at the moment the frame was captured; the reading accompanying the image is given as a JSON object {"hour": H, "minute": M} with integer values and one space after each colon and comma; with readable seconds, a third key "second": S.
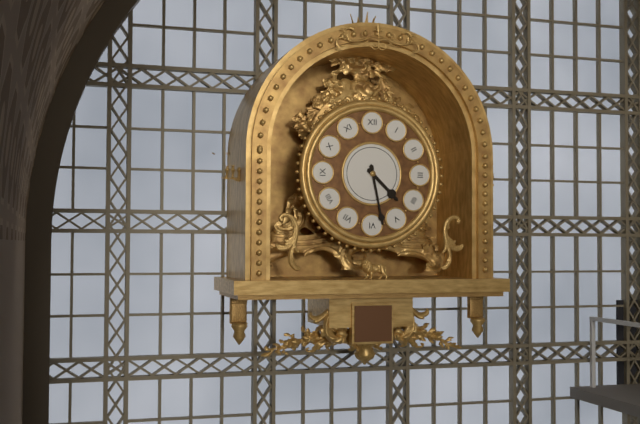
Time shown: {"hour": 4, "minute": 28}
